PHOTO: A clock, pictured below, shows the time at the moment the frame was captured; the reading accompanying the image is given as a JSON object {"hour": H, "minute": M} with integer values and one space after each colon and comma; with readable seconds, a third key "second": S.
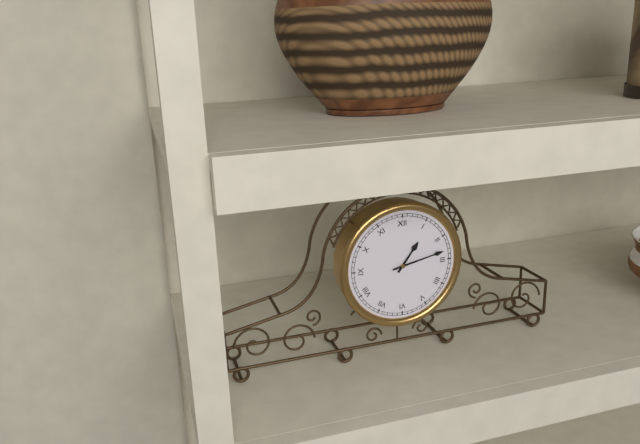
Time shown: {"hour": 1, "minute": 13}
